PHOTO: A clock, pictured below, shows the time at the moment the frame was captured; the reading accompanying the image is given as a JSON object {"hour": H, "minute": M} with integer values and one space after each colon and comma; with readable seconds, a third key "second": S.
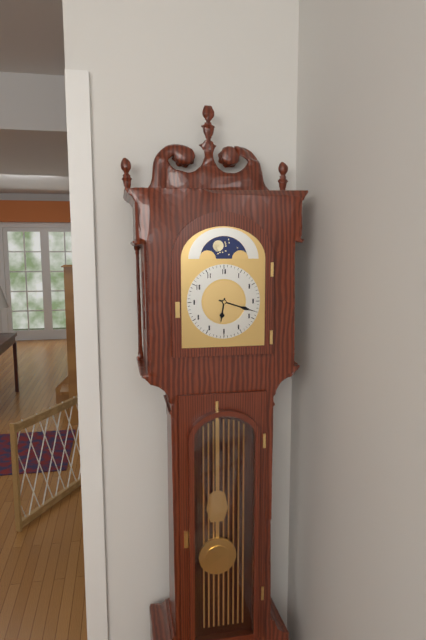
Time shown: {"hour": 6, "minute": 18}
